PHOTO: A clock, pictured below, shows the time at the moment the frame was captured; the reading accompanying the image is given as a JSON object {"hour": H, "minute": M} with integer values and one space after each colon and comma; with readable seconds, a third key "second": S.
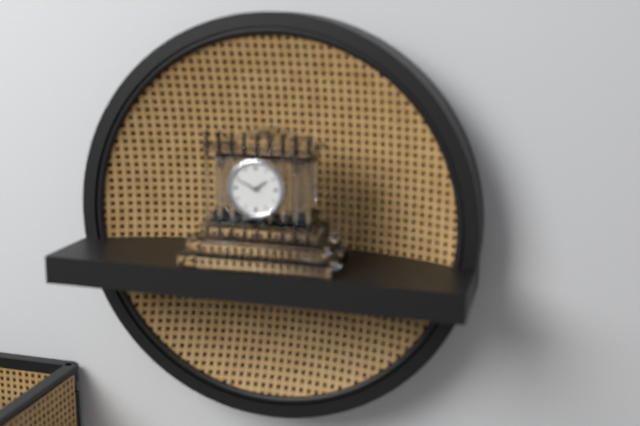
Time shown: {"hour": 1, "minute": 49}
